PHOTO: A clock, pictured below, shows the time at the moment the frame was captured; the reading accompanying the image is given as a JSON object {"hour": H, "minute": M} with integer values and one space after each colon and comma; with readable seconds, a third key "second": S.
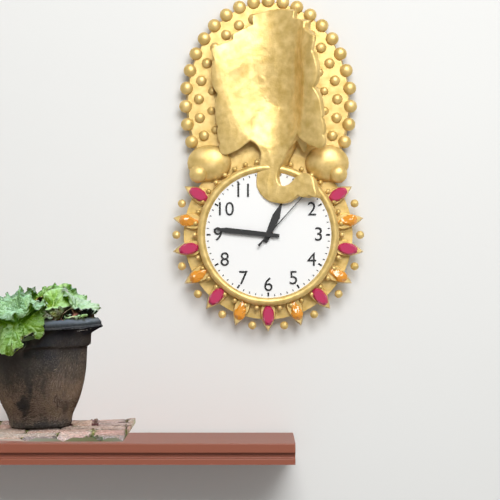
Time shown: {"hour": 12, "minute": 46, "second": 7}
